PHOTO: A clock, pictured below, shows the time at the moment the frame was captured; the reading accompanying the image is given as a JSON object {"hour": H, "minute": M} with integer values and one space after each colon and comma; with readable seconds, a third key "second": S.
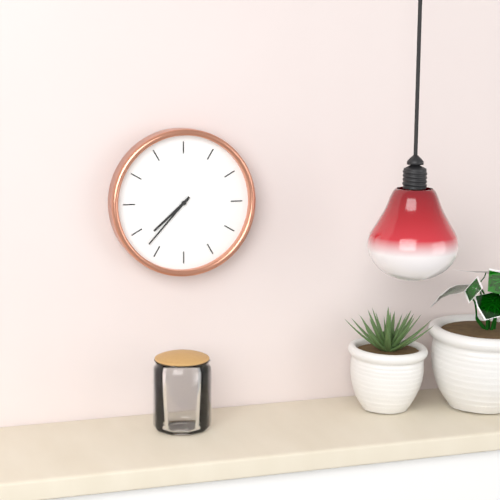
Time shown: {"hour": 7, "minute": 37}
